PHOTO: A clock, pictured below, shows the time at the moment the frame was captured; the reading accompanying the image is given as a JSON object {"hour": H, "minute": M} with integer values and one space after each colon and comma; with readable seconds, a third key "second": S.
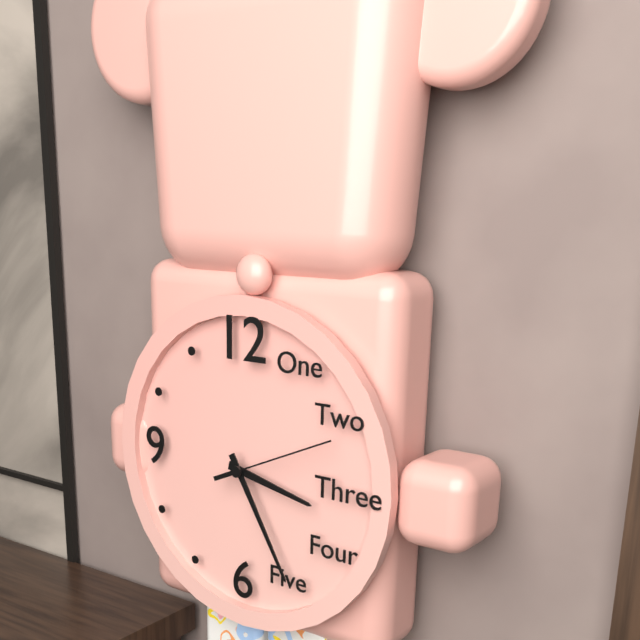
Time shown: {"hour": 3, "minute": 25, "second": 11}
